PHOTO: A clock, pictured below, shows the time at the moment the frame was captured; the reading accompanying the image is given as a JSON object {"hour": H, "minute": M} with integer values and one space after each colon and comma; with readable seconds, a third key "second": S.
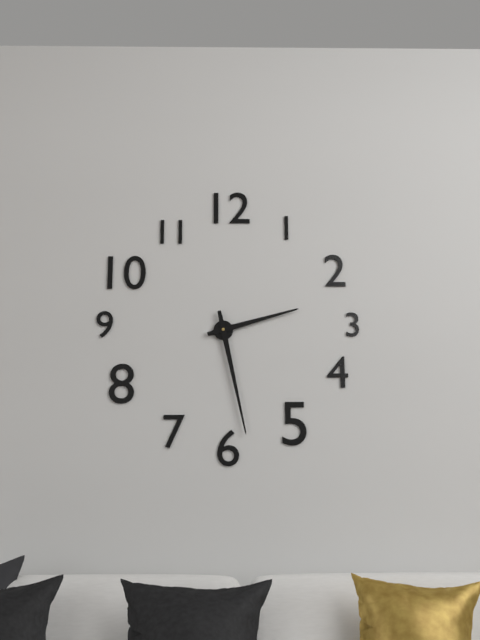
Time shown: {"hour": 2, "minute": 28}
